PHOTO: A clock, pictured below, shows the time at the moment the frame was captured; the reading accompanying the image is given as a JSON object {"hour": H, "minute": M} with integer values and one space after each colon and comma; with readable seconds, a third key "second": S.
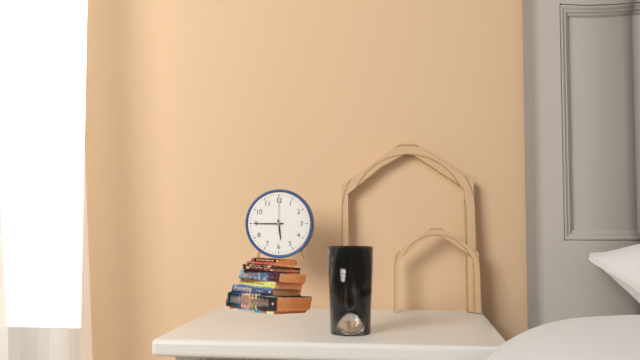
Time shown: {"hour": 5, "minute": 45}
